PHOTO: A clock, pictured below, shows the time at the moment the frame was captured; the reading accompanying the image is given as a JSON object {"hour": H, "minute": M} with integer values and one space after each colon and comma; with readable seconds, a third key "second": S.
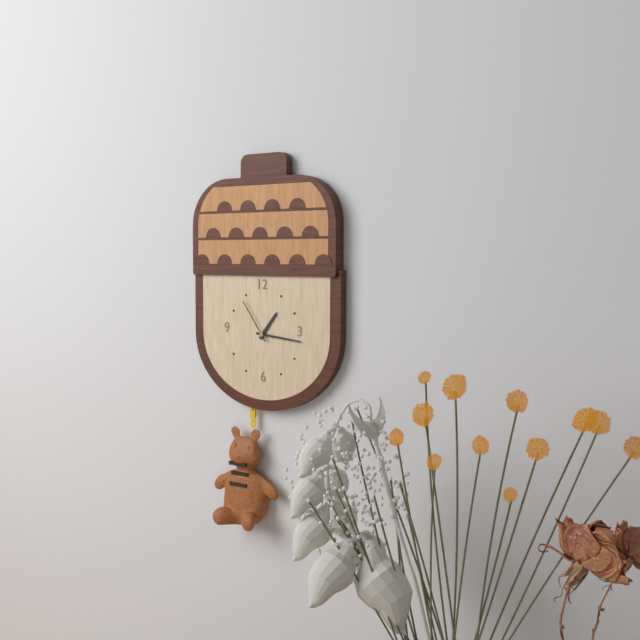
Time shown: {"hour": 1, "minute": 16, "second": 54}
